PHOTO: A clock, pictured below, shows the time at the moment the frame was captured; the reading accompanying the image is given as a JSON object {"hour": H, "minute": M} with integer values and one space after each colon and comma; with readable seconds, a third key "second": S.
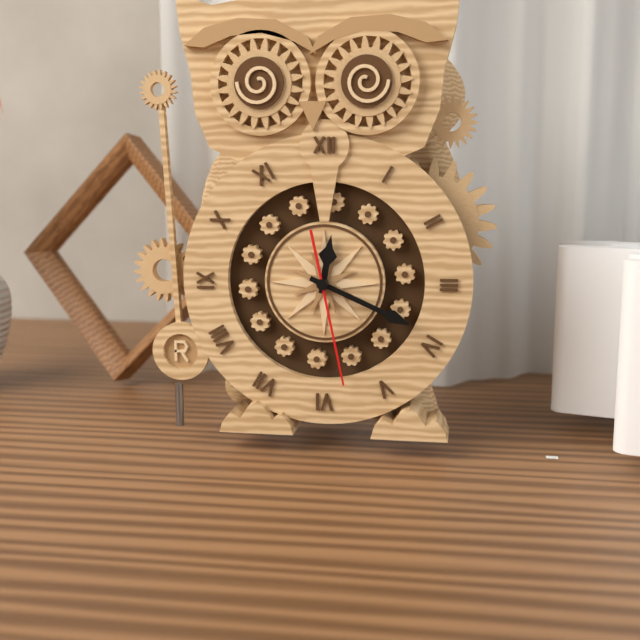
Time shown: {"hour": 12, "minute": 19, "second": 28}
